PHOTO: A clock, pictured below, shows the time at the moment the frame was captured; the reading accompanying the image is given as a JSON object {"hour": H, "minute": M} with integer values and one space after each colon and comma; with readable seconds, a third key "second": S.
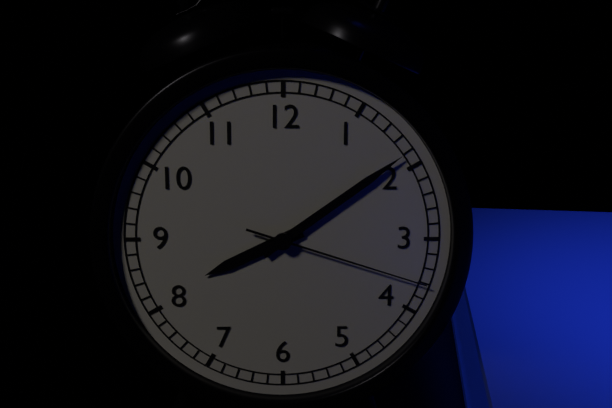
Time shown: {"hour": 8, "minute": 9, "second": 18}
